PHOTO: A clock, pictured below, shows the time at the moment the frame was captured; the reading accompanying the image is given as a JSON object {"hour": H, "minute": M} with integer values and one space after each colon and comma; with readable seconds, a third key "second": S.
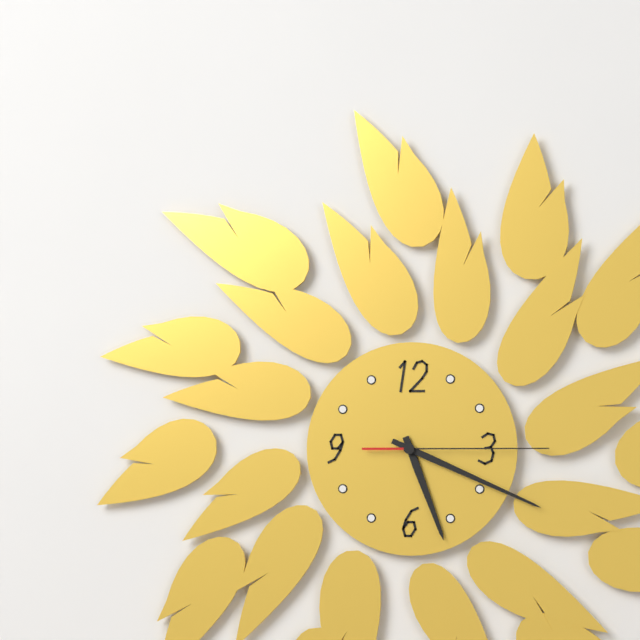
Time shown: {"hour": 5, "minute": 19, "second": 15}
